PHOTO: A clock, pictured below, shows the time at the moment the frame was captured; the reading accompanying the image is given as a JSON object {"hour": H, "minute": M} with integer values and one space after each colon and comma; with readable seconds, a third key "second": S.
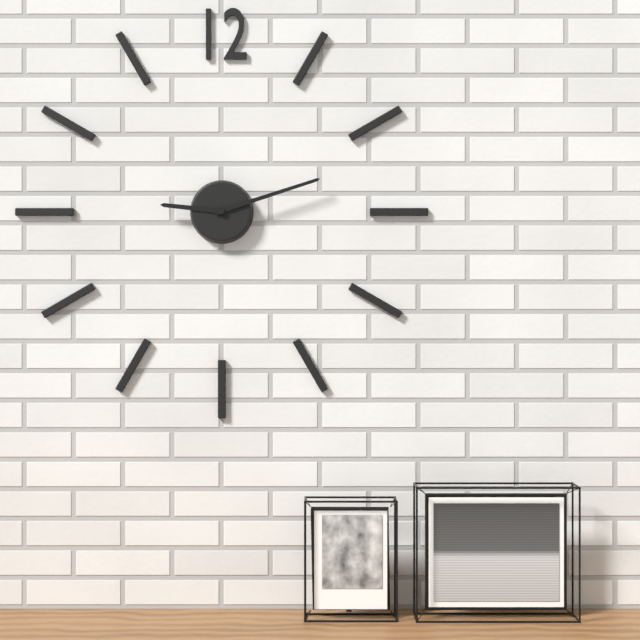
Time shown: {"hour": 9, "minute": 12}
